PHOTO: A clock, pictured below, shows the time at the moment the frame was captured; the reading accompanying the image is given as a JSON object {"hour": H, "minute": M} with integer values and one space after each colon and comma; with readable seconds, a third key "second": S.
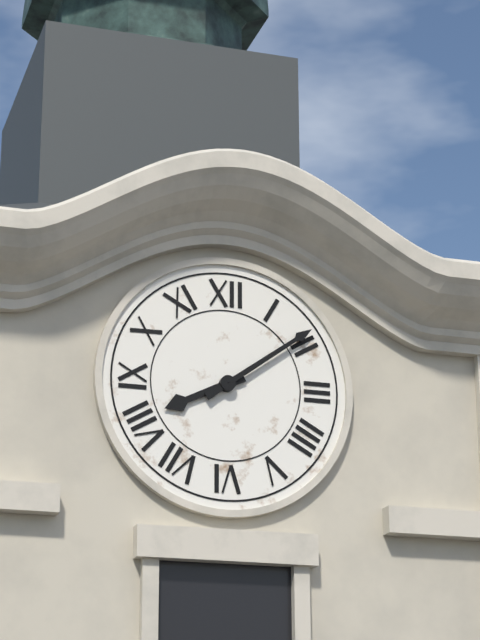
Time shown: {"hour": 8, "minute": 9}
